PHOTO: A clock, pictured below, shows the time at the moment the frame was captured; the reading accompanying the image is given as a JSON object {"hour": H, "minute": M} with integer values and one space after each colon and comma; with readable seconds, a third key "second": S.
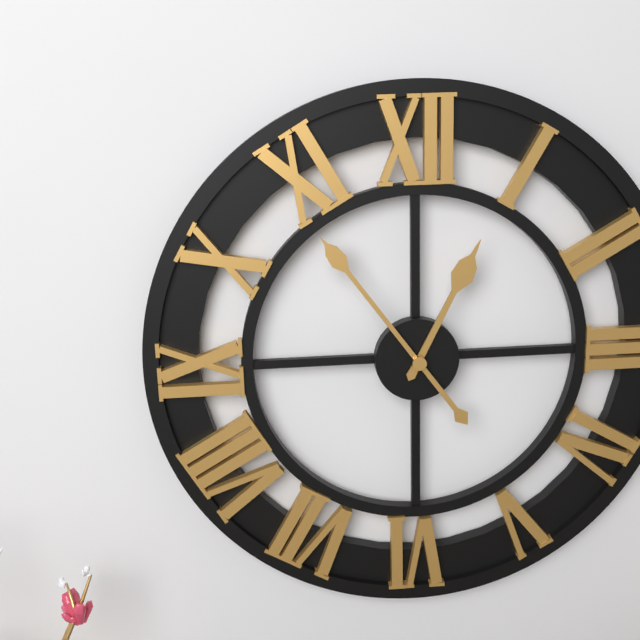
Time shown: {"hour": 12, "minute": 54}
